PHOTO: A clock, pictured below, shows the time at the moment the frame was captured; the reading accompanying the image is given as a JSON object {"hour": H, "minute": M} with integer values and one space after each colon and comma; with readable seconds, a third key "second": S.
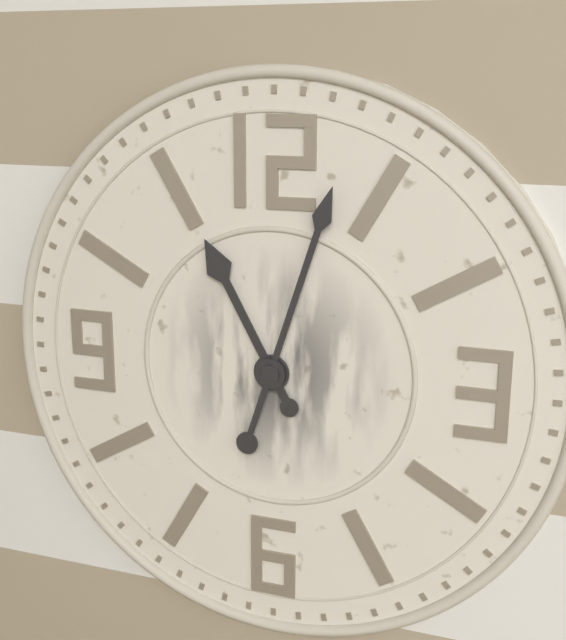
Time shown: {"hour": 11, "minute": 3}
